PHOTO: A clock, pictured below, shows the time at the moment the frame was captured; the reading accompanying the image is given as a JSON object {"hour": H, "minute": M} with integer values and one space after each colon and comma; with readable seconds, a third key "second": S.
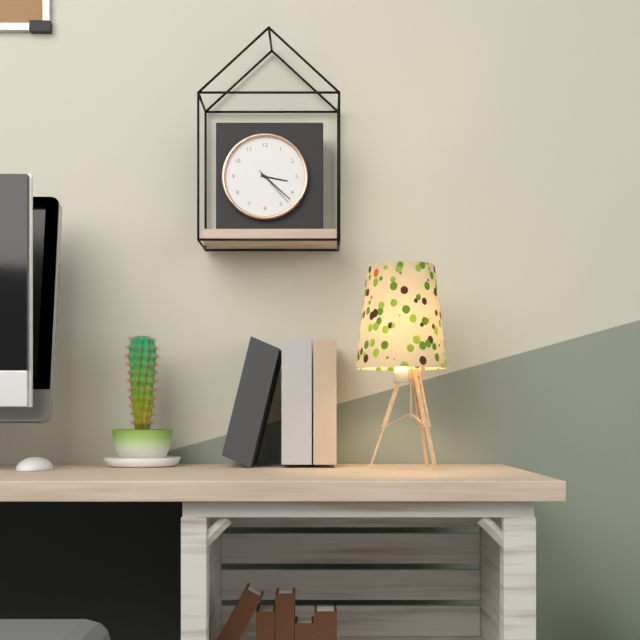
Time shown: {"hour": 3, "minute": 22}
